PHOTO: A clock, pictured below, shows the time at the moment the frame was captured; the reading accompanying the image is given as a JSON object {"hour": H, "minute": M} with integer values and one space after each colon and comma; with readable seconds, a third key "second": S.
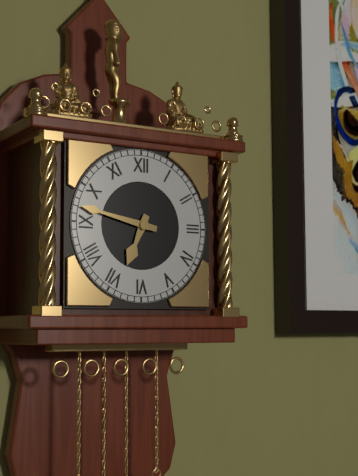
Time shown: {"hour": 6, "minute": 47}
